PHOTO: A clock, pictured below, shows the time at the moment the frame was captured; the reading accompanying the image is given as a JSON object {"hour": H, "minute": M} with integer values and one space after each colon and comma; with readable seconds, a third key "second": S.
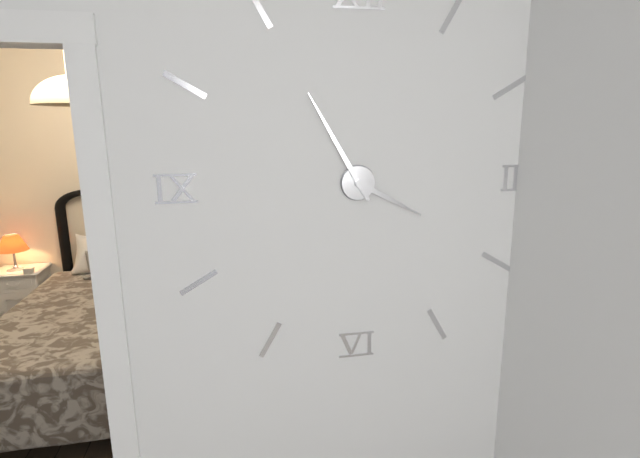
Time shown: {"hour": 3, "minute": 55}
